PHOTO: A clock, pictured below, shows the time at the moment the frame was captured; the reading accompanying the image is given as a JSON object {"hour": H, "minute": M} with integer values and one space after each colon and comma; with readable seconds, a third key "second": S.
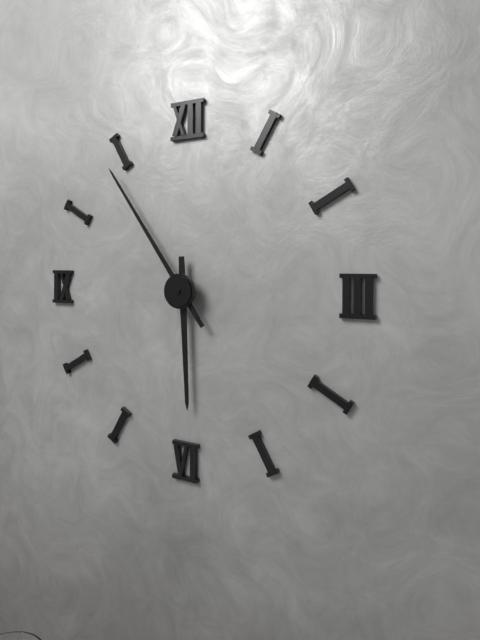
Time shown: {"hour": 5, "minute": 54}
